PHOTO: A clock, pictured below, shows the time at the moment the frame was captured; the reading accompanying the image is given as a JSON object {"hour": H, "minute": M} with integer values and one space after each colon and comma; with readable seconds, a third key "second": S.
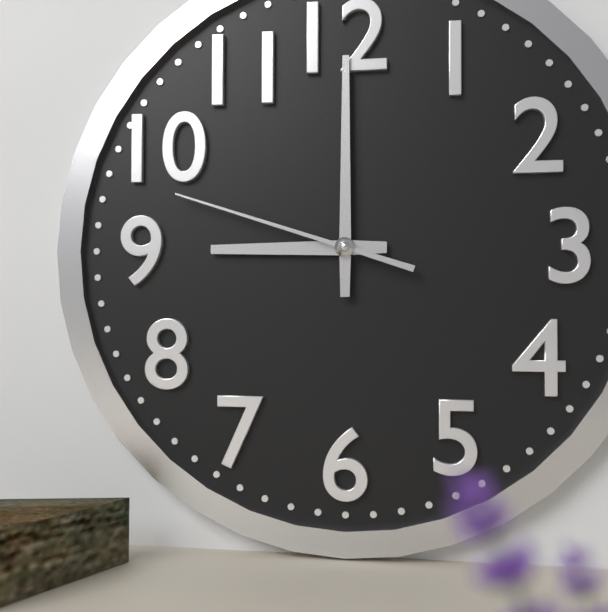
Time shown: {"hour": 9, "minute": 0, "second": 48}
